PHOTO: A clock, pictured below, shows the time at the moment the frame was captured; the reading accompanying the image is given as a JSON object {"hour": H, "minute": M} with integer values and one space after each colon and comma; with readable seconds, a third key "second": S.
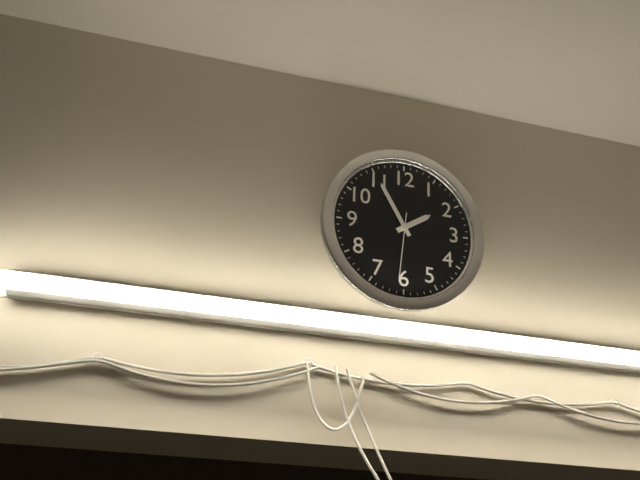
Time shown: {"hour": 1, "minute": 55, "second": 31}
